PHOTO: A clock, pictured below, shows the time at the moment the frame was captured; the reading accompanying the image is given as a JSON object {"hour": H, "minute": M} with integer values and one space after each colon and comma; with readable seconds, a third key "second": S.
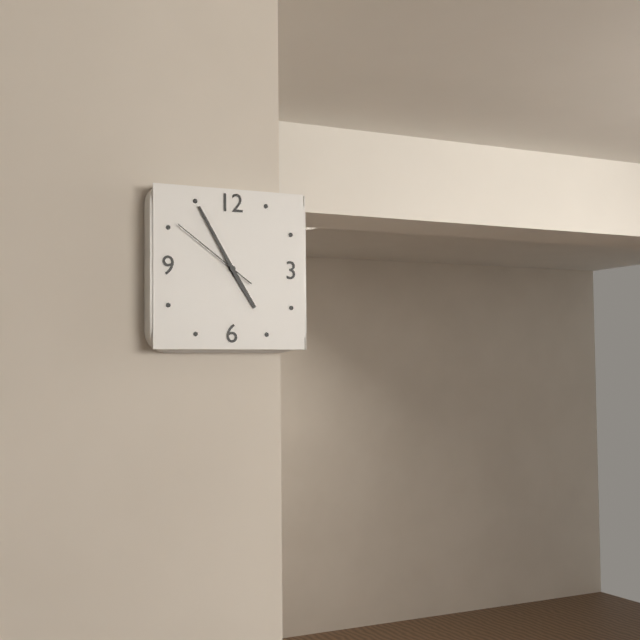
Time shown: {"hour": 4, "minute": 55, "second": 51}
